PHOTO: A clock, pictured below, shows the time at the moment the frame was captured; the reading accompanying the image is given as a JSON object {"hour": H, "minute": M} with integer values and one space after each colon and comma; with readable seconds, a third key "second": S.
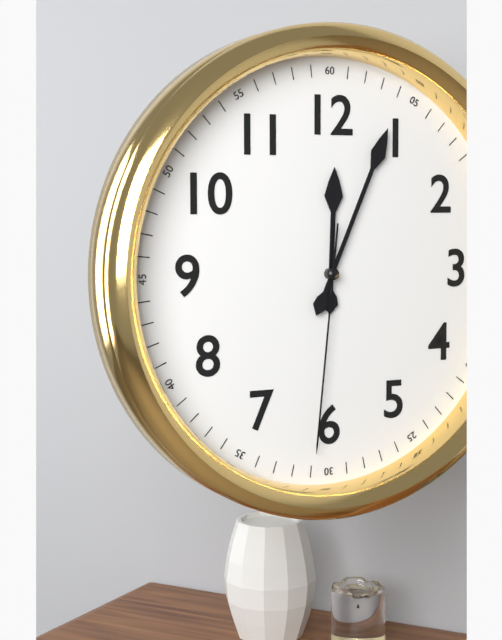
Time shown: {"hour": 12, "minute": 4, "second": 31}
